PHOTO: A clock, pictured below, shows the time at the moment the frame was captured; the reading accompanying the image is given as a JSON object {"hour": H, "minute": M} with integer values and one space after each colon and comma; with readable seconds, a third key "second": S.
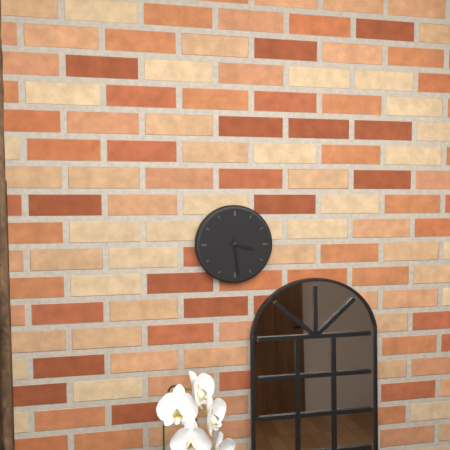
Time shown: {"hour": 3, "minute": 29}
